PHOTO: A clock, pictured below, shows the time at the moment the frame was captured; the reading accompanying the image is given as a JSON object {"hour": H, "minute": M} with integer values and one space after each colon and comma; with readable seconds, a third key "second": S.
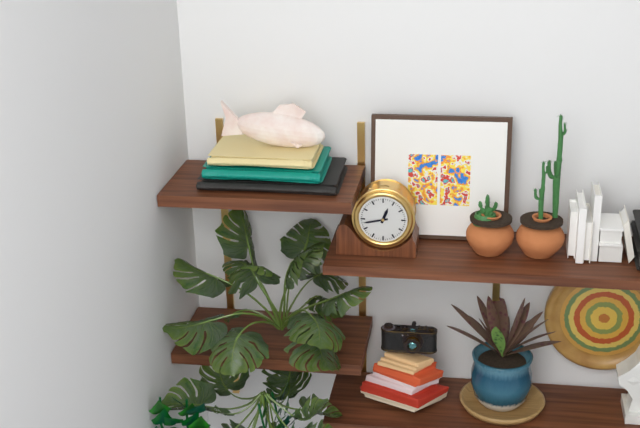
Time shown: {"hour": 12, "minute": 43}
